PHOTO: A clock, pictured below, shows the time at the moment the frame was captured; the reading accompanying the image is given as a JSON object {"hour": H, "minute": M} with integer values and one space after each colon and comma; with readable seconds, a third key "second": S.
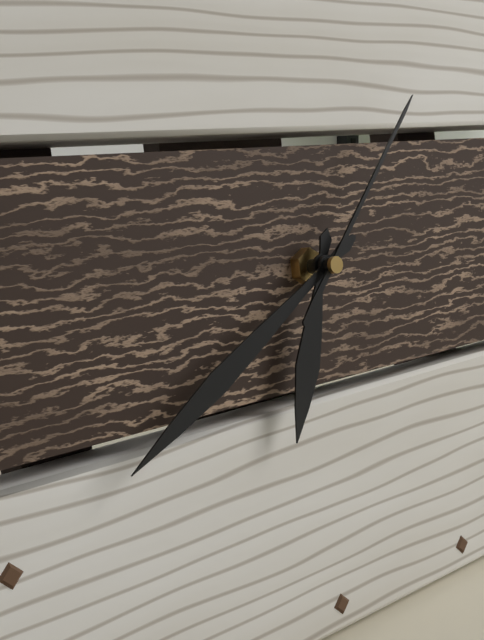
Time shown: {"hour": 6, "minute": 40, "second": 7}
